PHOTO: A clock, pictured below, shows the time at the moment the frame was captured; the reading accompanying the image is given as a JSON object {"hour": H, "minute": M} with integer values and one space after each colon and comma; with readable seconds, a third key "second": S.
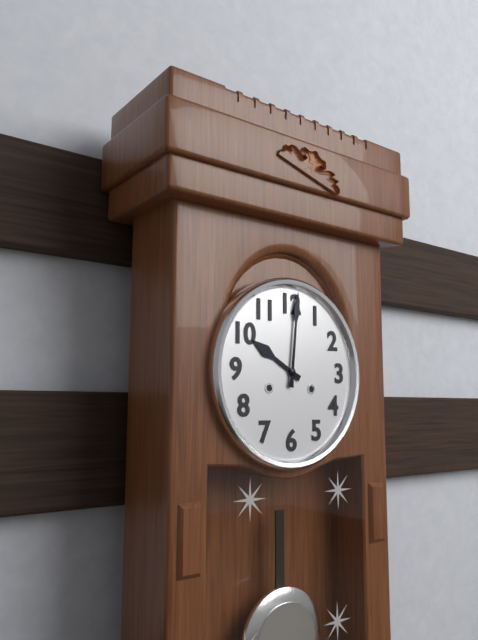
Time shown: {"hour": 10, "minute": 1}
